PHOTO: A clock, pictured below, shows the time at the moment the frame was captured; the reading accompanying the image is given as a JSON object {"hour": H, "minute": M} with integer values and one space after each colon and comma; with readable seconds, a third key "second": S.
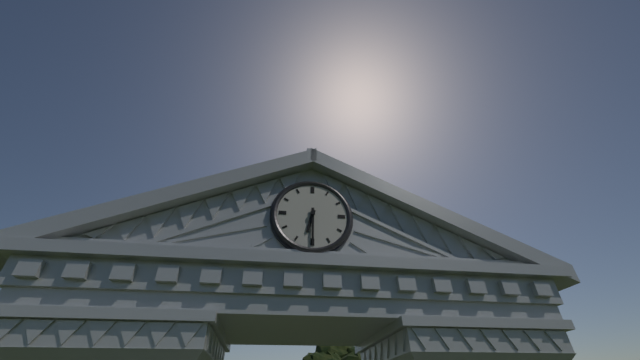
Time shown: {"hour": 6, "minute": 30}
